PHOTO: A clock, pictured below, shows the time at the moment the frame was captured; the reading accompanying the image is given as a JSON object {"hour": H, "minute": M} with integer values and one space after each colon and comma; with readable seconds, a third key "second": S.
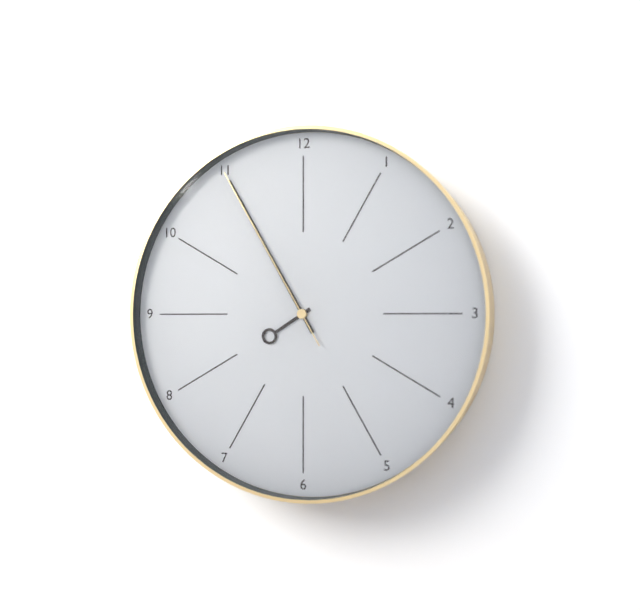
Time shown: {"hour": 7, "minute": 55, "second": 55}
